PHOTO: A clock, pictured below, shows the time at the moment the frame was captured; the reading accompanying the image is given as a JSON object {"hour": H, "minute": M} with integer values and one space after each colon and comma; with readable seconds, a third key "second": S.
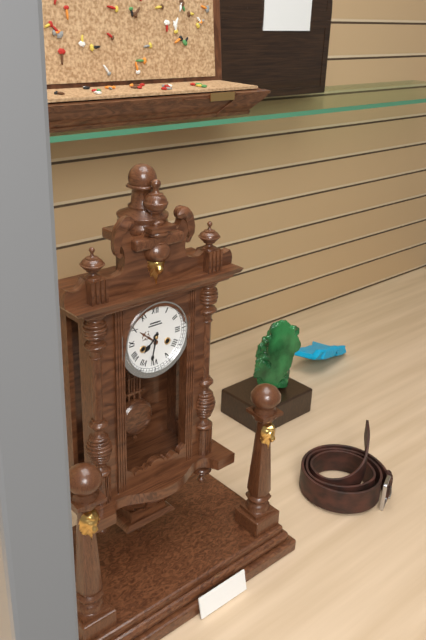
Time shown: {"hour": 7, "minute": 32}
